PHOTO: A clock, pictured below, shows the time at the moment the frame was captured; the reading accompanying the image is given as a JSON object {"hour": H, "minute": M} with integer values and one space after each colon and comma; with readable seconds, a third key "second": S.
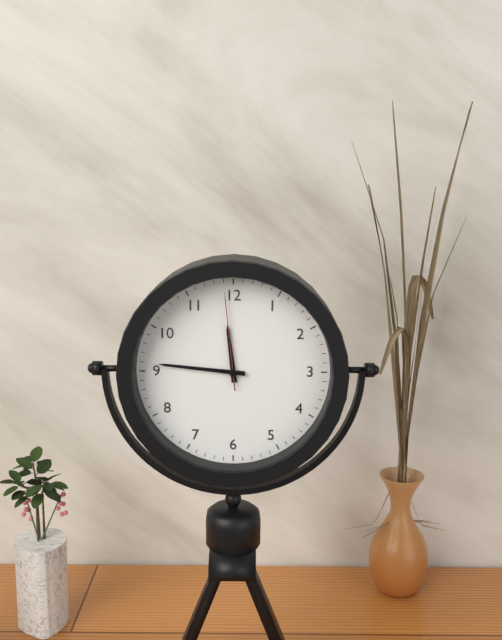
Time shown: {"hour": 11, "minute": 46, "second": 59}
